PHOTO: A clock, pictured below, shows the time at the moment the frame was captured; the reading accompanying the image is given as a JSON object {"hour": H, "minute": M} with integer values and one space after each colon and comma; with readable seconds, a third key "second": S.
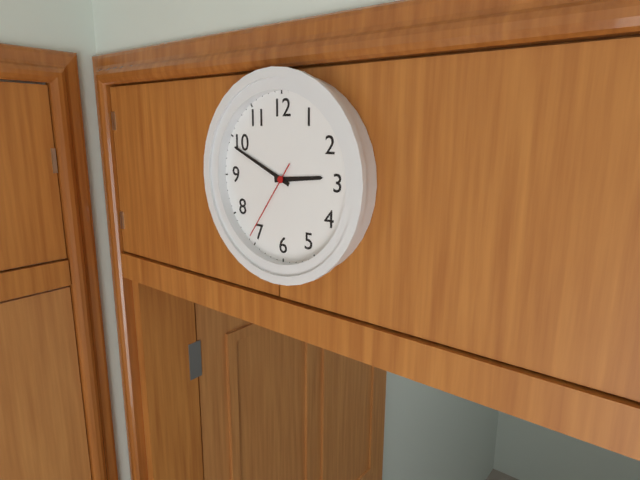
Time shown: {"hour": 2, "minute": 49, "second": 36}
